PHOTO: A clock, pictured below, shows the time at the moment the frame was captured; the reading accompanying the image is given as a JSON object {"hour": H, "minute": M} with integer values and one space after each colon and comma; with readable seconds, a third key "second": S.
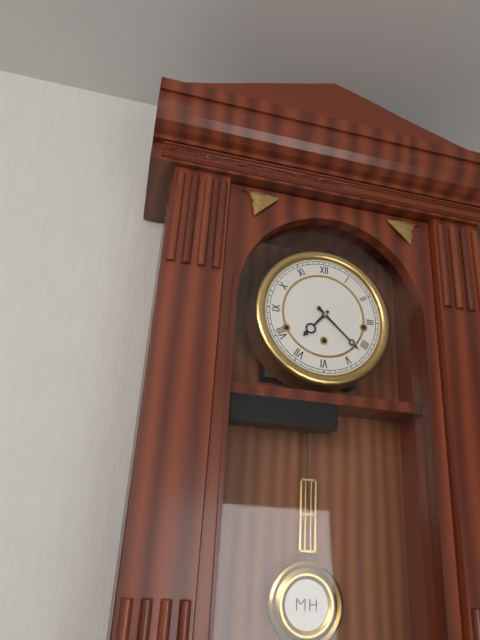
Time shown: {"hour": 7, "minute": 22}
